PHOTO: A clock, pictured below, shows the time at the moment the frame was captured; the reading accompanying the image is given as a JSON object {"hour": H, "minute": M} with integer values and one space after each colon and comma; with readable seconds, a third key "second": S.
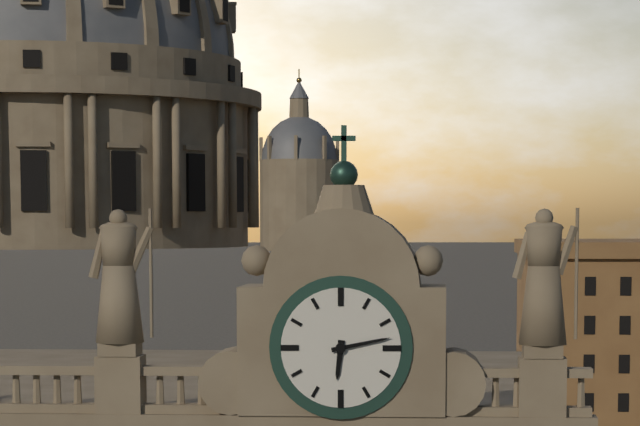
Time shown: {"hour": 6, "minute": 13}
